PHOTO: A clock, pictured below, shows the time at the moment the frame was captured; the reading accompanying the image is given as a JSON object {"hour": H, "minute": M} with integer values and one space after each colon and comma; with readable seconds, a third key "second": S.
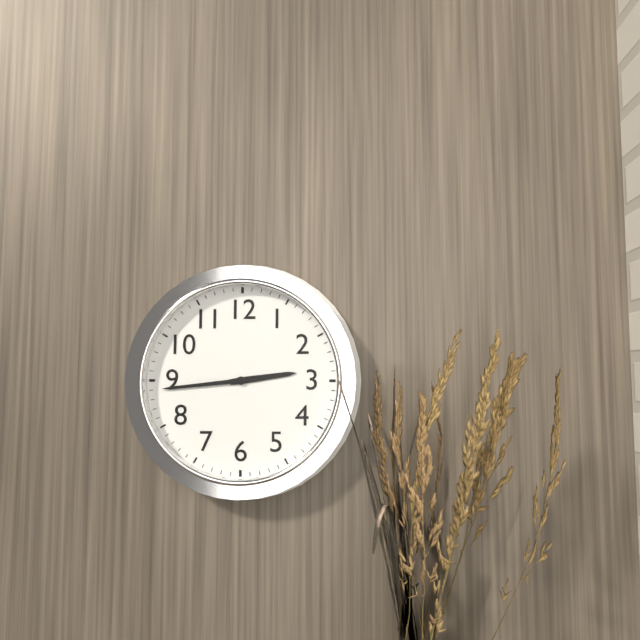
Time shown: {"hour": 2, "minute": 44}
